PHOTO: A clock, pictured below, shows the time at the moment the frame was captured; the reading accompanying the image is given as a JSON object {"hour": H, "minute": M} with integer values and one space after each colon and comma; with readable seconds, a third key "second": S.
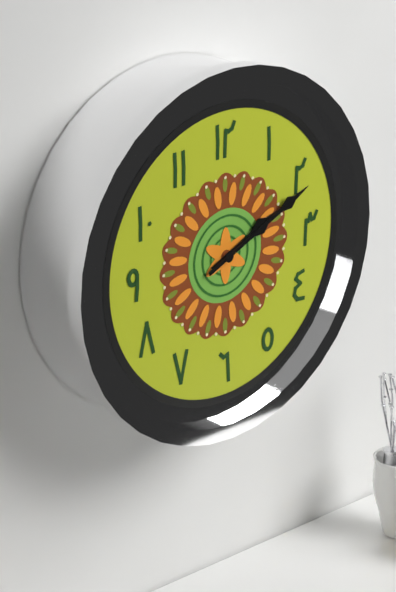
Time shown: {"hour": 2, "minute": 11}
